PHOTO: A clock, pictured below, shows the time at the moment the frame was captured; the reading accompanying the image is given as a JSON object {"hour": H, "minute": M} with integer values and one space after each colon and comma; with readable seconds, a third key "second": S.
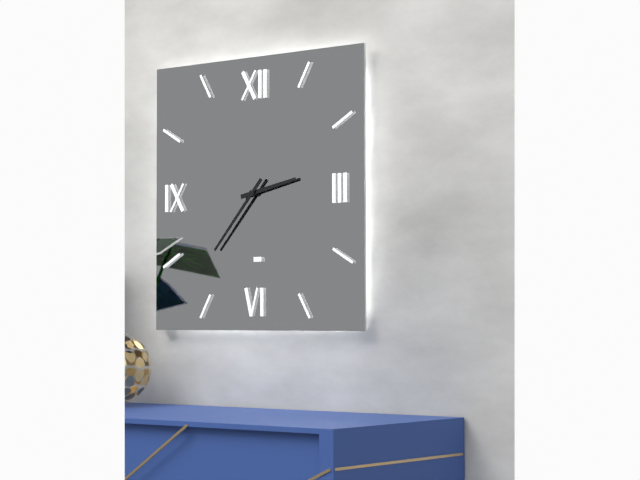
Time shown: {"hour": 2, "minute": 37}
